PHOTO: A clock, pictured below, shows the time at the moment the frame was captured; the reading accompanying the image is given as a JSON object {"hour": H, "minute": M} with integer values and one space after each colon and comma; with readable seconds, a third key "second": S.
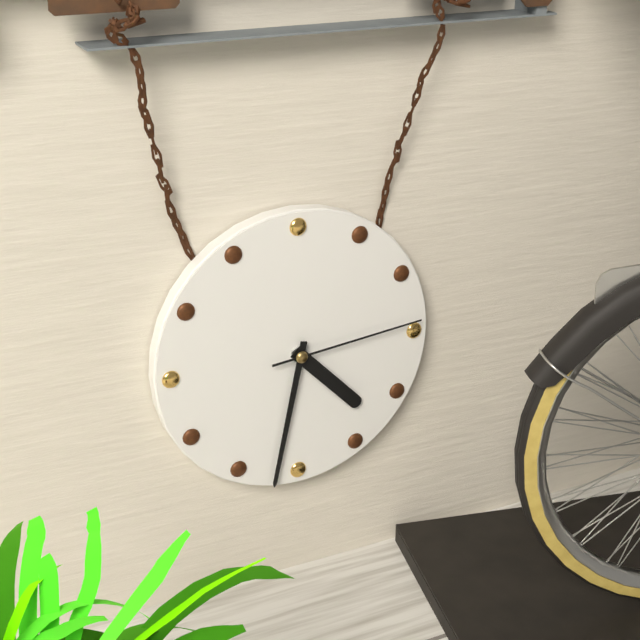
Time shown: {"hour": 4, "minute": 32, "second": 14}
